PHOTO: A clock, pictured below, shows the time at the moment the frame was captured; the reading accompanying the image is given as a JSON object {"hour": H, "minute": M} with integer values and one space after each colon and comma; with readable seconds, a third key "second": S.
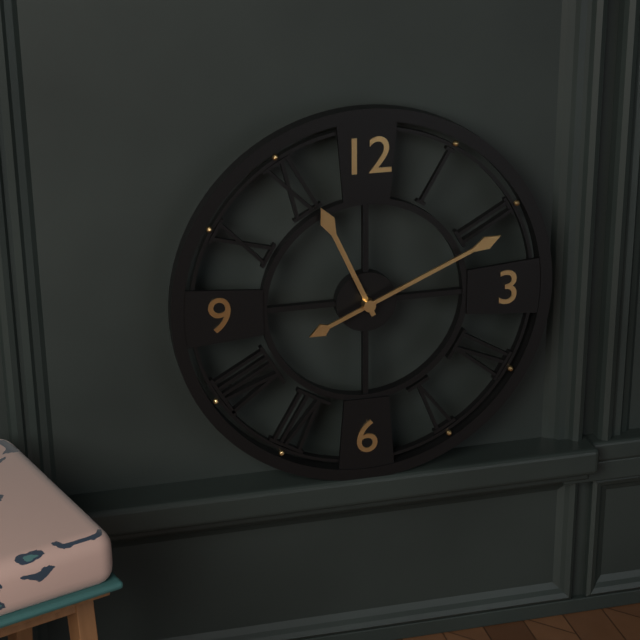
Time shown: {"hour": 11, "minute": 11}
